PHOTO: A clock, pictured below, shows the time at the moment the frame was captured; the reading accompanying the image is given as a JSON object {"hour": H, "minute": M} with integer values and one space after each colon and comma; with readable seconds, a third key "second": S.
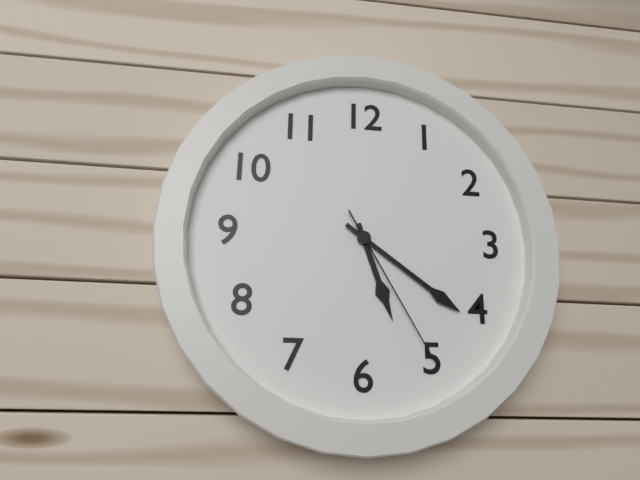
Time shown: {"hour": 5, "minute": 21, "second": 25}
